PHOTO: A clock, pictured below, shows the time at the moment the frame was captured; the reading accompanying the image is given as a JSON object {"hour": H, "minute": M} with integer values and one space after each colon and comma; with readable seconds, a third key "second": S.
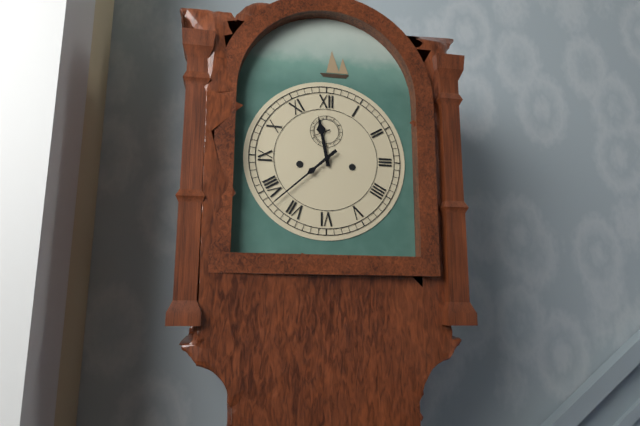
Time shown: {"hour": 11, "minute": 38}
